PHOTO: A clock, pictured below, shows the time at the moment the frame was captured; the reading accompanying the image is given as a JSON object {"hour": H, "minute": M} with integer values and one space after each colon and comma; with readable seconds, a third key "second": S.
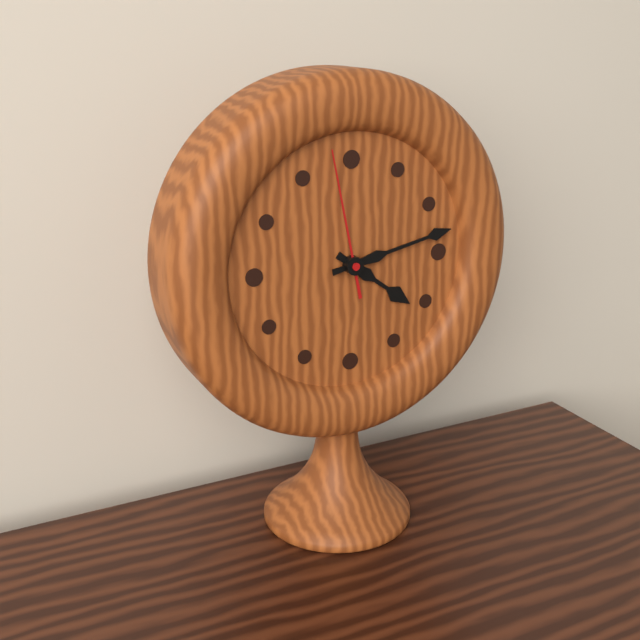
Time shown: {"hour": 4, "minute": 13, "second": 58}
